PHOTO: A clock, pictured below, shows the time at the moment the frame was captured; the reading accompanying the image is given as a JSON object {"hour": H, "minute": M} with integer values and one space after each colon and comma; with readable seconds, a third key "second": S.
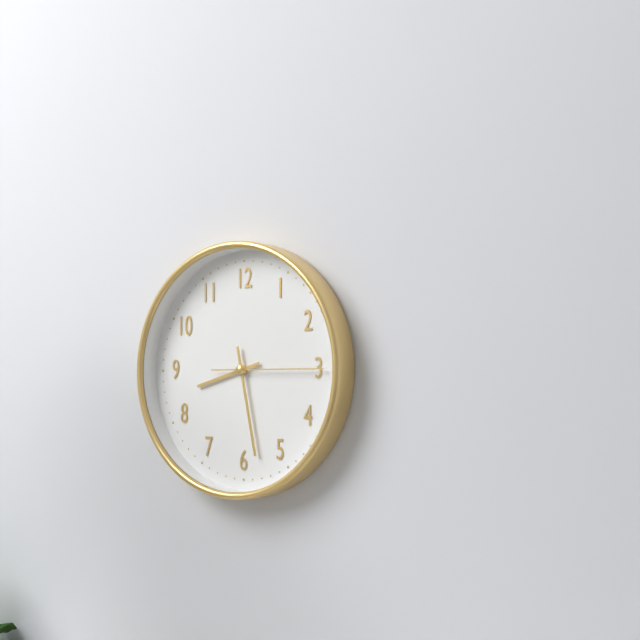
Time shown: {"hour": 8, "minute": 28, "second": 15}
